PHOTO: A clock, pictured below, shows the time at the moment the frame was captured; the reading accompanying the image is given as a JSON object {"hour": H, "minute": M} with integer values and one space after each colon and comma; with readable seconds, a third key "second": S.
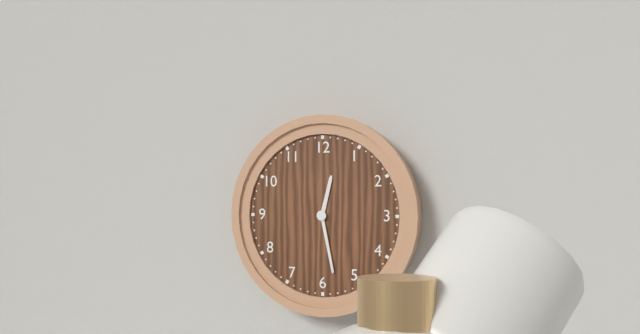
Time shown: {"hour": 12, "minute": 28}
